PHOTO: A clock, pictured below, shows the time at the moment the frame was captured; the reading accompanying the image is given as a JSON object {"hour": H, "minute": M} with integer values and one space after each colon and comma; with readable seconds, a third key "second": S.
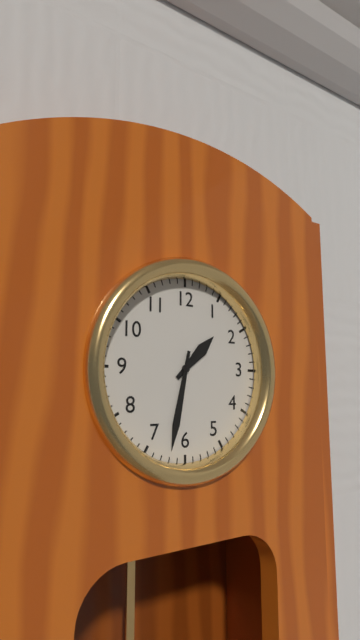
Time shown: {"hour": 1, "minute": 32}
